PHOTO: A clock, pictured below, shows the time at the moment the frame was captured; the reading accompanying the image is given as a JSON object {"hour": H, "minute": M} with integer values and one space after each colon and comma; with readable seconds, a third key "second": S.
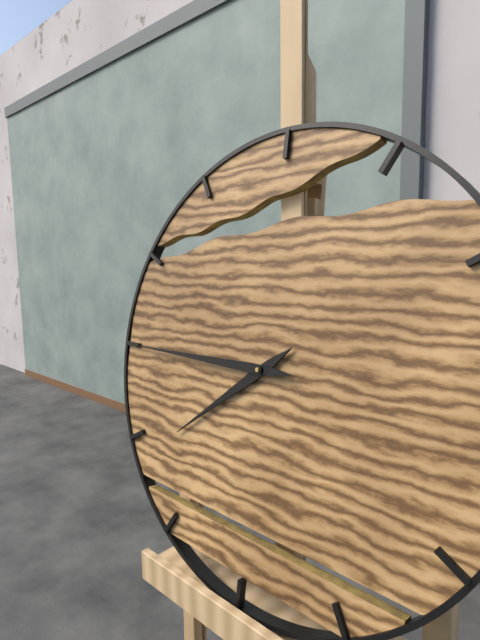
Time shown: {"hour": 7, "minute": 45}
